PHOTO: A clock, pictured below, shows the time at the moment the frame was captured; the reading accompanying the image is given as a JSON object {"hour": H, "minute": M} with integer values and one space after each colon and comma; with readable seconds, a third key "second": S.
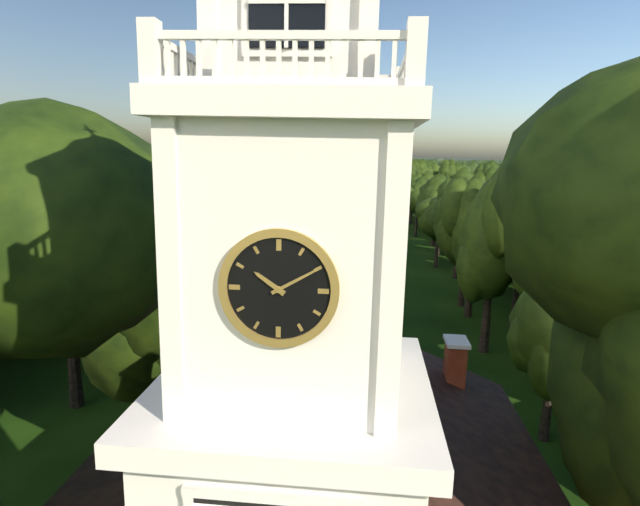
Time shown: {"hour": 10, "minute": 10}
